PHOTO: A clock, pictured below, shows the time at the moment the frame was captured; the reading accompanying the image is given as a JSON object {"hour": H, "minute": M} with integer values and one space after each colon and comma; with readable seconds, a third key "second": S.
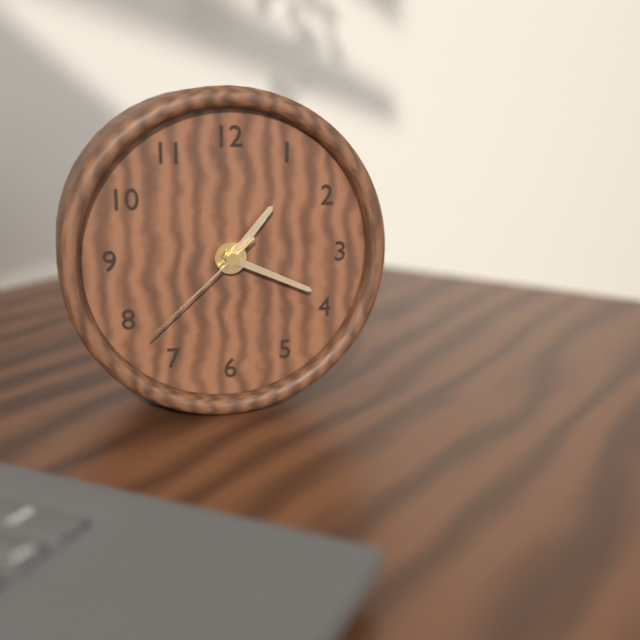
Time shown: {"hour": 1, "minute": 19, "second": 38}
